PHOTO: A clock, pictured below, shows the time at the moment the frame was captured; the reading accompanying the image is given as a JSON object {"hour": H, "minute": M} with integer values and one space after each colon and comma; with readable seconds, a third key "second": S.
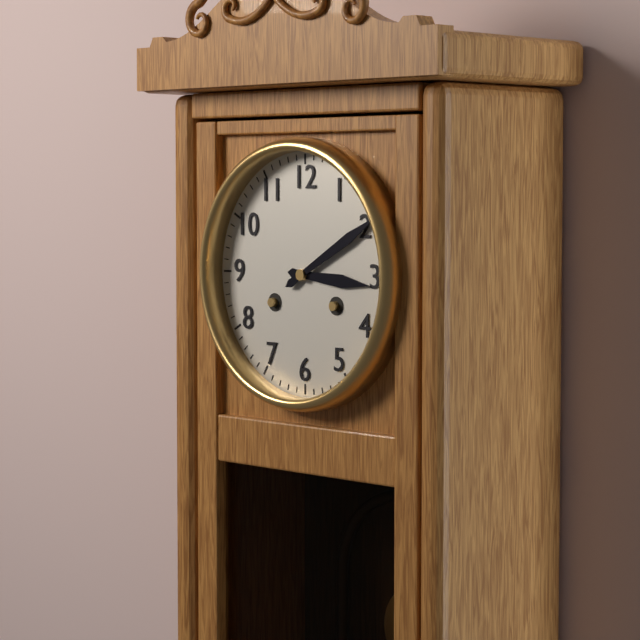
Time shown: {"hour": 3, "minute": 10}
